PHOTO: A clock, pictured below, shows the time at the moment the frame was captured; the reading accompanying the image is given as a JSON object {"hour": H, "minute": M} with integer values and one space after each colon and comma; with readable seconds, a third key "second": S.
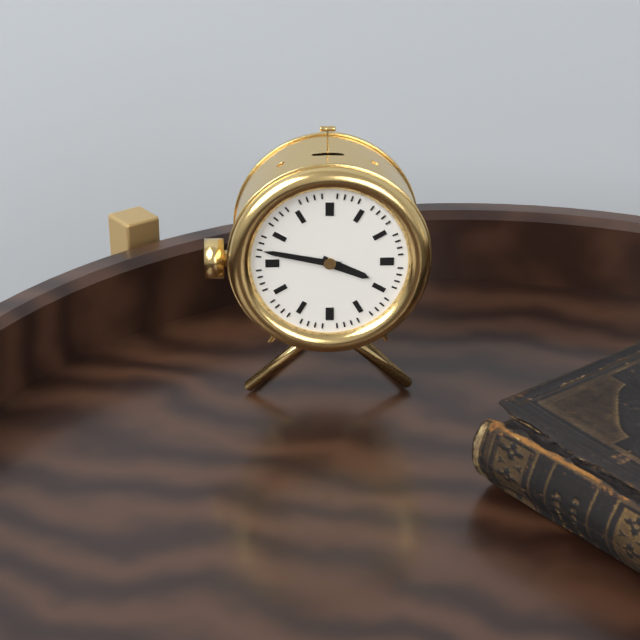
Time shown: {"hour": 3, "minute": 47}
